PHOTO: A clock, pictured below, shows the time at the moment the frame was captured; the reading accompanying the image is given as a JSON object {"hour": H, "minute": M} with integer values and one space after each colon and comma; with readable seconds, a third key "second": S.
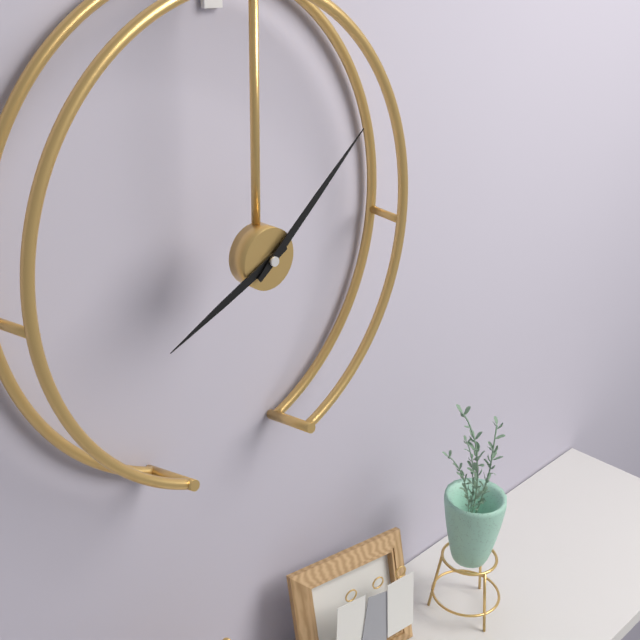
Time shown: {"hour": 8, "minute": 8}
